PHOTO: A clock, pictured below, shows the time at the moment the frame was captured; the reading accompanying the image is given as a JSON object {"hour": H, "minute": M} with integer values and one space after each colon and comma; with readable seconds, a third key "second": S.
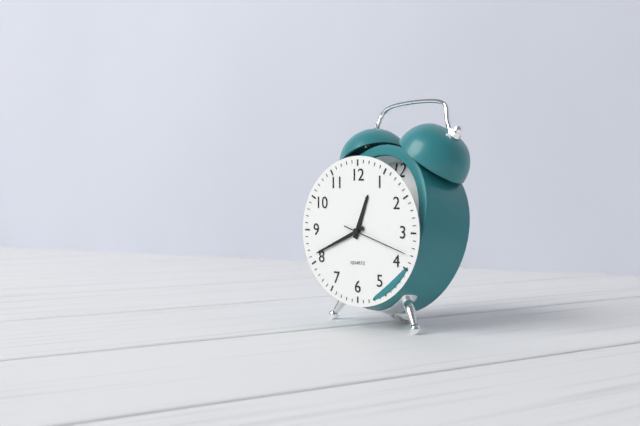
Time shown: {"hour": 12, "minute": 41, "second": 18}
